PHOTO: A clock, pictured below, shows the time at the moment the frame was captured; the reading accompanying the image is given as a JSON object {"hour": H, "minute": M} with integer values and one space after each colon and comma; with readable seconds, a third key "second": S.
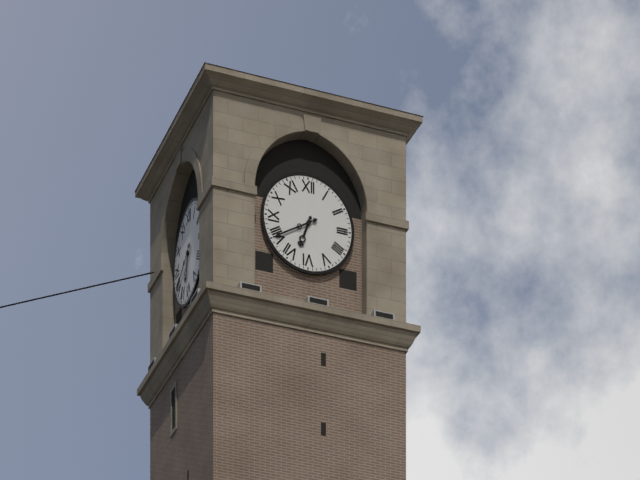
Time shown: {"hour": 6, "minute": 40}
